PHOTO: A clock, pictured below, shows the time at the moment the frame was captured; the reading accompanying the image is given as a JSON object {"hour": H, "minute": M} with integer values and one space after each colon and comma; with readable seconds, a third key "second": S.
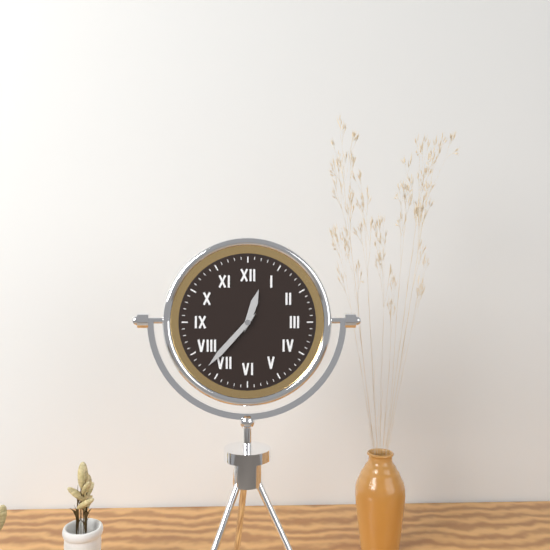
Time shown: {"hour": 12, "minute": 37}
